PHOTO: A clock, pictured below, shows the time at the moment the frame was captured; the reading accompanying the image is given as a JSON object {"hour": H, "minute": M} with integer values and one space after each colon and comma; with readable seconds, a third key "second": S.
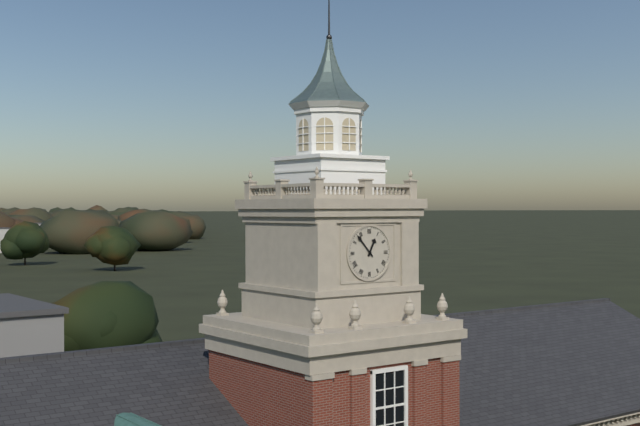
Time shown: {"hour": 12, "minute": 53}
